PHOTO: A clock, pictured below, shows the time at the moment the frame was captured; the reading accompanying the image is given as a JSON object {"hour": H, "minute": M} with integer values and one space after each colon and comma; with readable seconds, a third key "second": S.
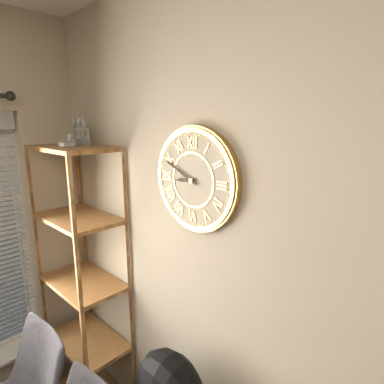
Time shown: {"hour": 8, "minute": 49}
